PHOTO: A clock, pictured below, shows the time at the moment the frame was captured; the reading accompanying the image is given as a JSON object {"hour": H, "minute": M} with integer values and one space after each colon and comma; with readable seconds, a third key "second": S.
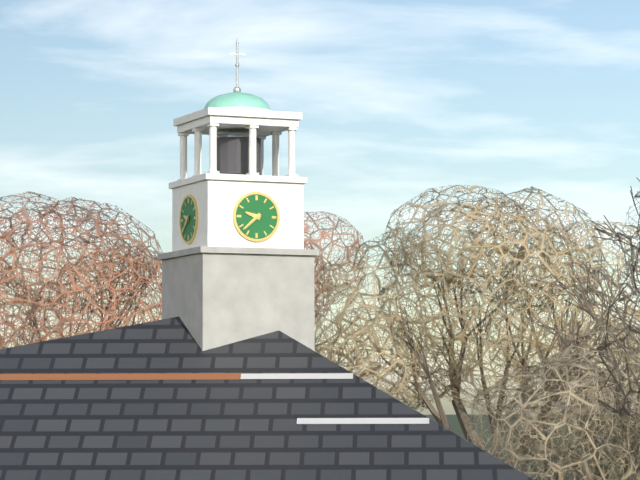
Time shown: {"hour": 9, "minute": 38}
